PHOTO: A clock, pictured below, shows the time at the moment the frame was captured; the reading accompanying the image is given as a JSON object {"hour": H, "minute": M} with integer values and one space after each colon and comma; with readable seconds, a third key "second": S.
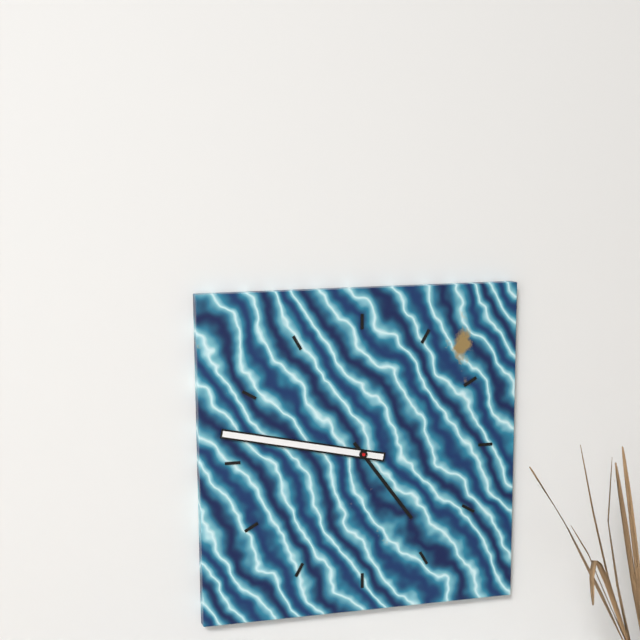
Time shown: {"hour": 4, "minute": 47}
